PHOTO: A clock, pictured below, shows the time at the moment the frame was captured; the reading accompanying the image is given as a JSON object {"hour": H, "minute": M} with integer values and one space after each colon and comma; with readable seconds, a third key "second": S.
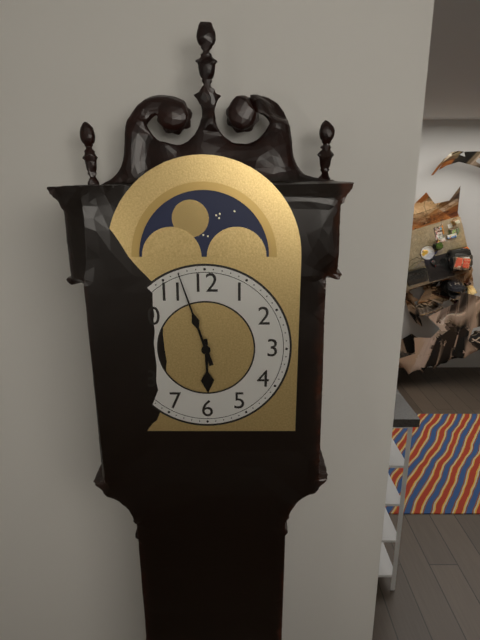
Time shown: {"hour": 5, "minute": 57}
